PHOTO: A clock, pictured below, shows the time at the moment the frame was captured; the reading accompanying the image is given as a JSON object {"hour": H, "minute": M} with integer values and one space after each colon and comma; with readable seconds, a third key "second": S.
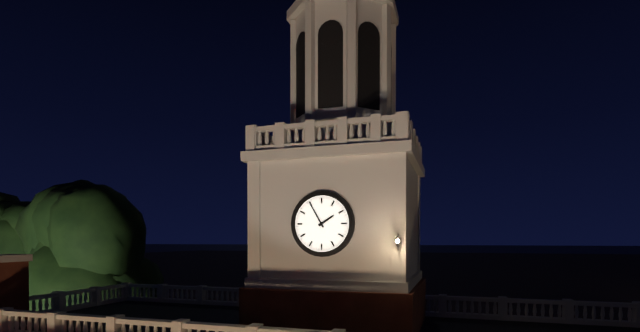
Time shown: {"hour": 1, "minute": 55}
